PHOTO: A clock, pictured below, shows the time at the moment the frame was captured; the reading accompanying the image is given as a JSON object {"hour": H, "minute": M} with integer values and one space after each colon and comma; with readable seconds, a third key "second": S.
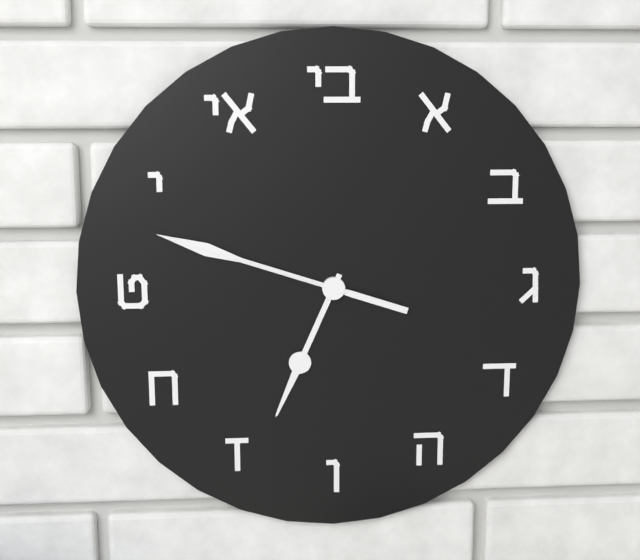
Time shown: {"hour": 6, "minute": 48, "second": 48}
